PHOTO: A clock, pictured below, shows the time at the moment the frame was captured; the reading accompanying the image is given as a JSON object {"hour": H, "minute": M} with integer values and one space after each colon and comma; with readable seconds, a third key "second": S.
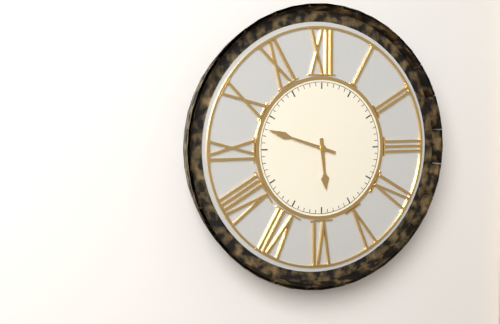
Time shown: {"hour": 5, "minute": 48}
